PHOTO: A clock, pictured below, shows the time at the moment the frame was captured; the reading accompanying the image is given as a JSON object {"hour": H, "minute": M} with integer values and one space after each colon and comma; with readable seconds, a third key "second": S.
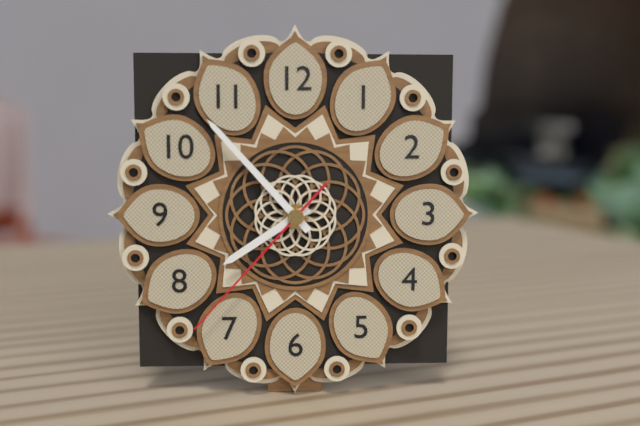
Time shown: {"hour": 7, "minute": 53, "second": 37}
